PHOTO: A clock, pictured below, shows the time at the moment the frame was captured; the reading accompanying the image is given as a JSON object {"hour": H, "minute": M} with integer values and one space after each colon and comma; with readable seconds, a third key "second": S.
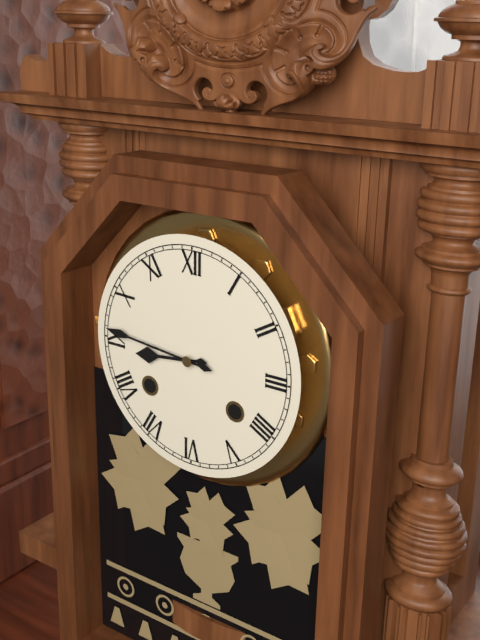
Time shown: {"hour": 8, "minute": 46}
